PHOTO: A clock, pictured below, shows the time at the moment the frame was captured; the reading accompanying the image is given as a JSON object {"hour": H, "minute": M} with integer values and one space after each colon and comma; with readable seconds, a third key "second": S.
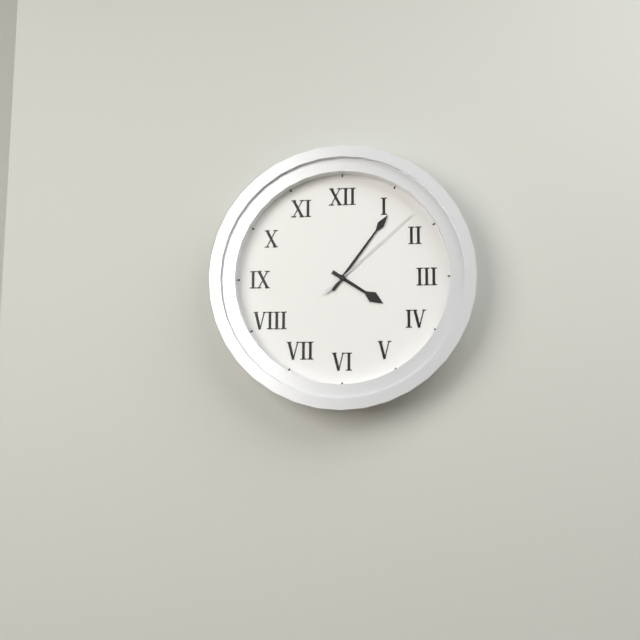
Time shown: {"hour": 4, "minute": 6, "second": 8}
